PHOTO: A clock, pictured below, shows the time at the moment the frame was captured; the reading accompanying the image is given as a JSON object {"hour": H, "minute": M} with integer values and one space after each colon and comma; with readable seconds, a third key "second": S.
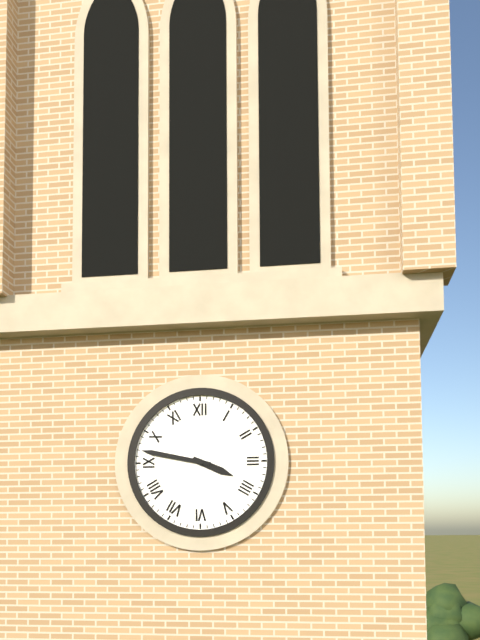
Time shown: {"hour": 3, "minute": 47}
